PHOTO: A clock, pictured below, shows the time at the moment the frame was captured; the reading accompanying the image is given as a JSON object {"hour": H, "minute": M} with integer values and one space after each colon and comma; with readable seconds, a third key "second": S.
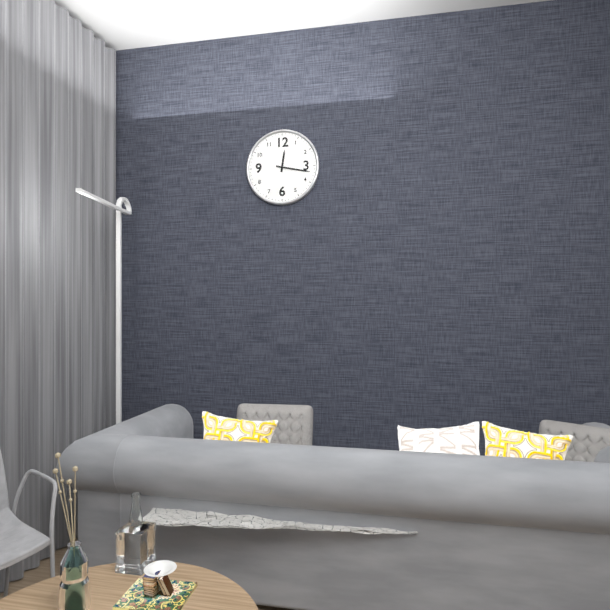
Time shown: {"hour": 12, "minute": 17}
